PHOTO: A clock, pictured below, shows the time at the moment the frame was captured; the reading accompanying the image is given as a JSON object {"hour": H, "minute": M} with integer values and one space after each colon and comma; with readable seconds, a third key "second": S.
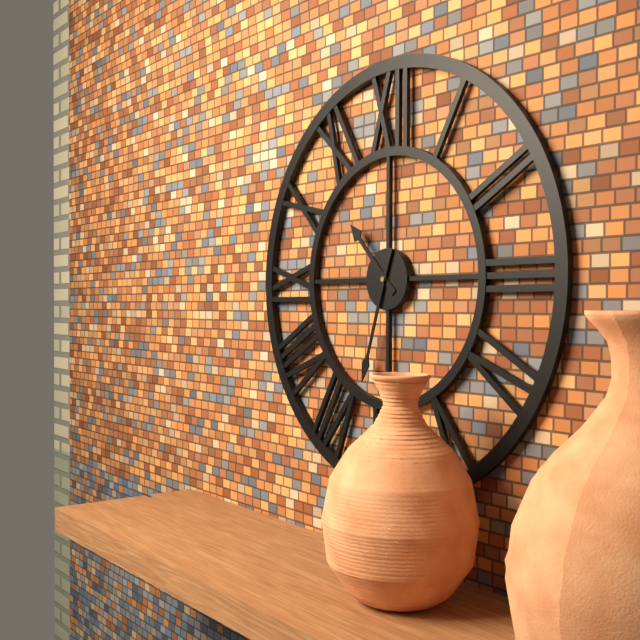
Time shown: {"hour": 10, "minute": 33}
